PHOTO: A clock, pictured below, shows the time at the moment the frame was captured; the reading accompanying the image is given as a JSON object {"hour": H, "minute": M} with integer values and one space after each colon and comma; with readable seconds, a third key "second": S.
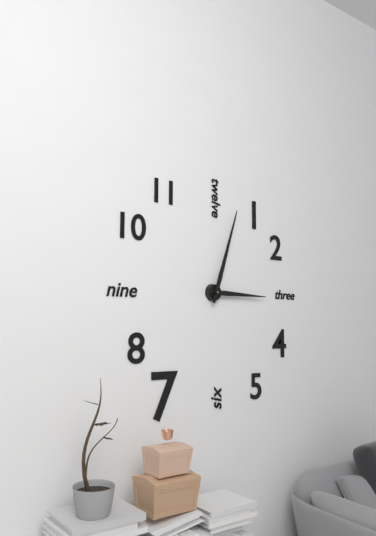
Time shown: {"hour": 3, "minute": 3}
